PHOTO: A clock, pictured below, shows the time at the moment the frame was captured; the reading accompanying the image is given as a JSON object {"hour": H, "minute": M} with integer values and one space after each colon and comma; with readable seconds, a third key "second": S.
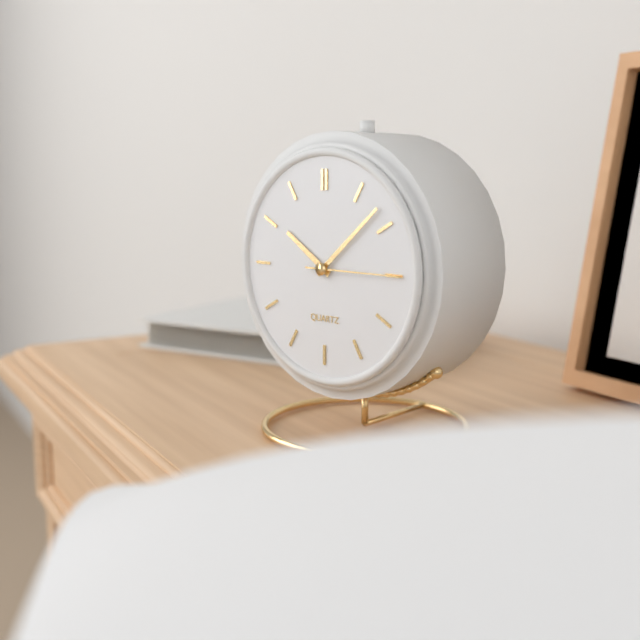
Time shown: {"hour": 10, "minute": 8, "second": 15}
